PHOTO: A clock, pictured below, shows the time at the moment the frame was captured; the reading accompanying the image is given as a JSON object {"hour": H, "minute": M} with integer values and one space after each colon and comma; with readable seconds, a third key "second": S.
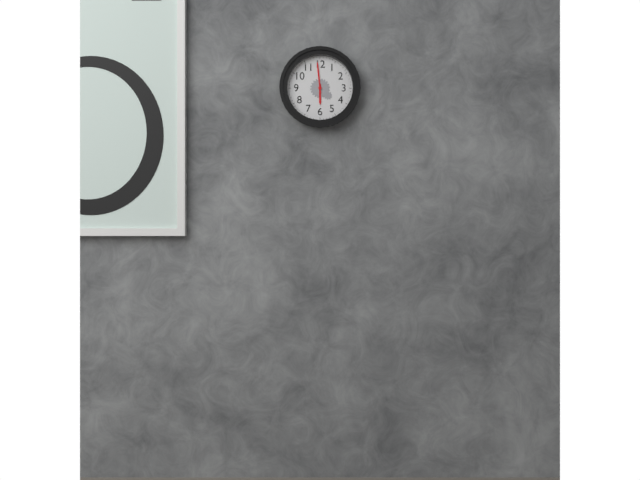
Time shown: {"hour": 5, "minute": 59}
